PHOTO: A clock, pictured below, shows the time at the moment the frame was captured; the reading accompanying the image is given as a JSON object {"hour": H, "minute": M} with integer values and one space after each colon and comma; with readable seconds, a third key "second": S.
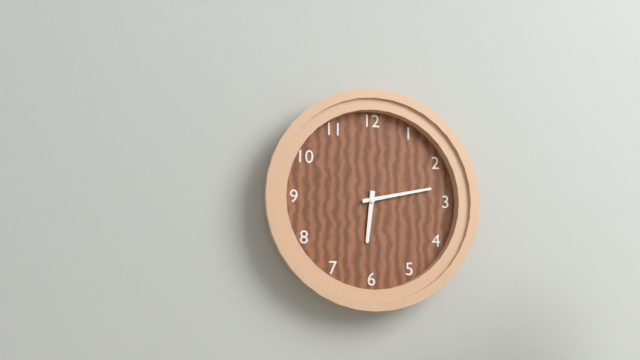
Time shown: {"hour": 6, "minute": 13}
